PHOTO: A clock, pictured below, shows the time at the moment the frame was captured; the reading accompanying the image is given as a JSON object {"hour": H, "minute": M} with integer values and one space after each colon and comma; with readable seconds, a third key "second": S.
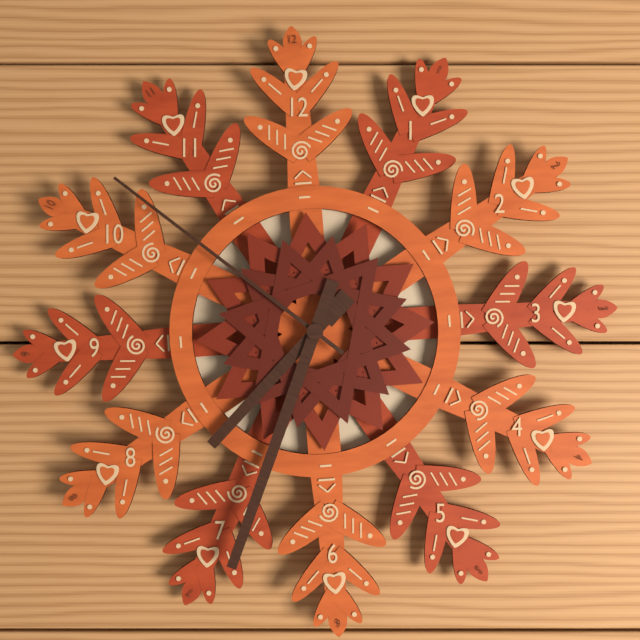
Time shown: {"hour": 7, "minute": 34, "second": 52}
